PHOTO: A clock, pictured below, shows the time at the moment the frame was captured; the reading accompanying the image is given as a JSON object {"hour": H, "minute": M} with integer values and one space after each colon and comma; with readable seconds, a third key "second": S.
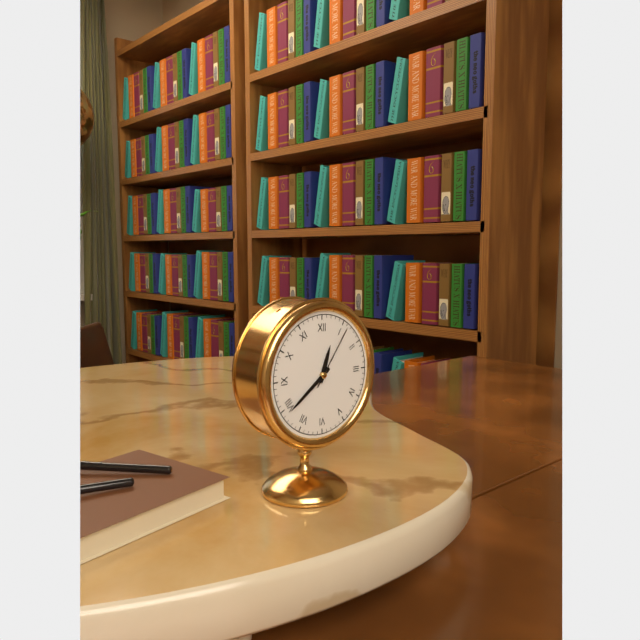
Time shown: {"hour": 12, "minute": 39, "second": 6}
